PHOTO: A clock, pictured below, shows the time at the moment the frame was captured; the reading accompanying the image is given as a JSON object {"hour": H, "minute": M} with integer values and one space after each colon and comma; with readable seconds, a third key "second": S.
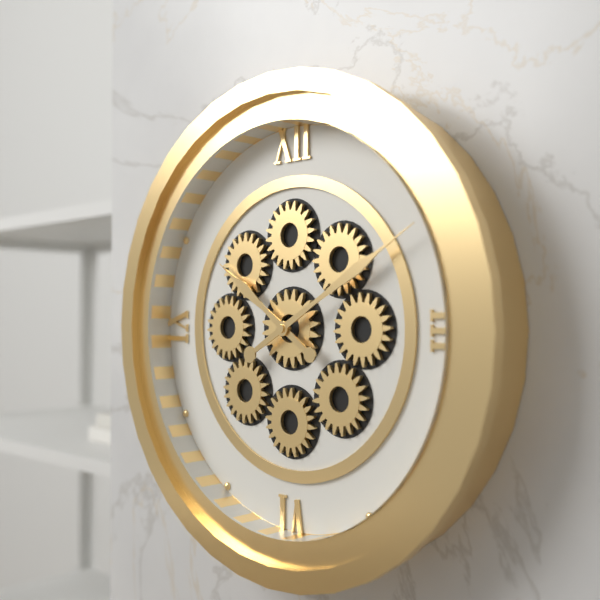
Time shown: {"hour": 10, "minute": 10}
